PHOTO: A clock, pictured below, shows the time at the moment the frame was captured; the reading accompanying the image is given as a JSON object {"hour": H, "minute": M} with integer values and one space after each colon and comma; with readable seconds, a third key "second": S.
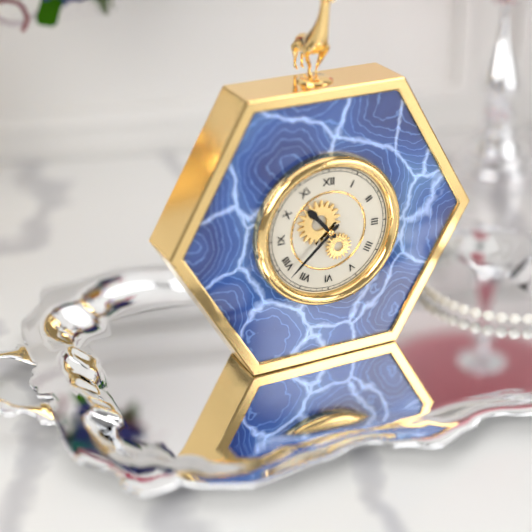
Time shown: {"hour": 10, "minute": 38}
